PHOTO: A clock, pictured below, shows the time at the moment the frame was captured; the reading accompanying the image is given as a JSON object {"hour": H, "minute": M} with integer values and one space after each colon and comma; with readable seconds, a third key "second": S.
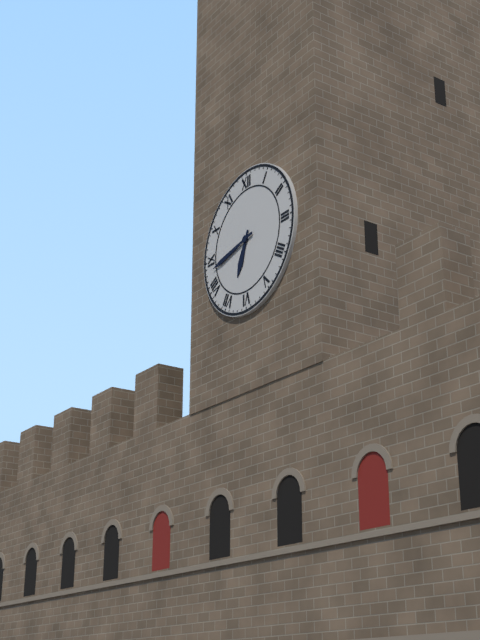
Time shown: {"hour": 6, "minute": 43}
